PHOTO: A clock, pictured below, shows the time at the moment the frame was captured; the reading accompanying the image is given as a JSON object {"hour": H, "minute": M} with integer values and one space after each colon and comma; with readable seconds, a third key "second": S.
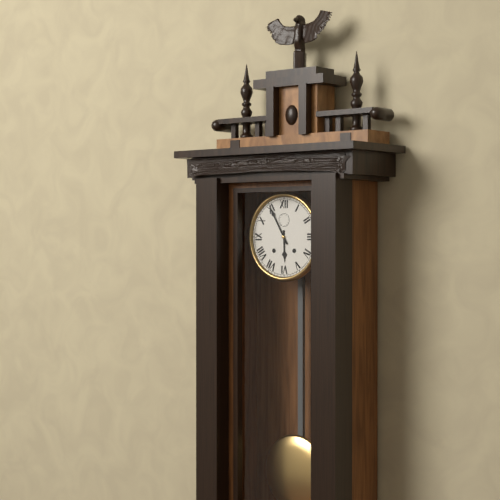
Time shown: {"hour": 5, "minute": 55}
